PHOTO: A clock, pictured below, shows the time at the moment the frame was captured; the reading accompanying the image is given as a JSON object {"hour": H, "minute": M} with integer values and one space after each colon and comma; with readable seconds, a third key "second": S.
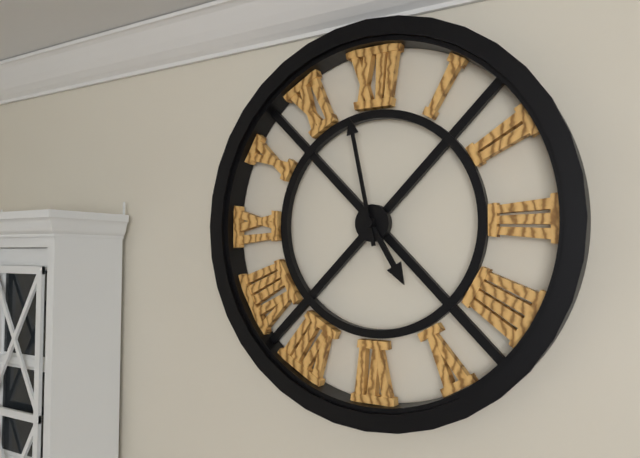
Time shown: {"hour": 4, "minute": 58}
